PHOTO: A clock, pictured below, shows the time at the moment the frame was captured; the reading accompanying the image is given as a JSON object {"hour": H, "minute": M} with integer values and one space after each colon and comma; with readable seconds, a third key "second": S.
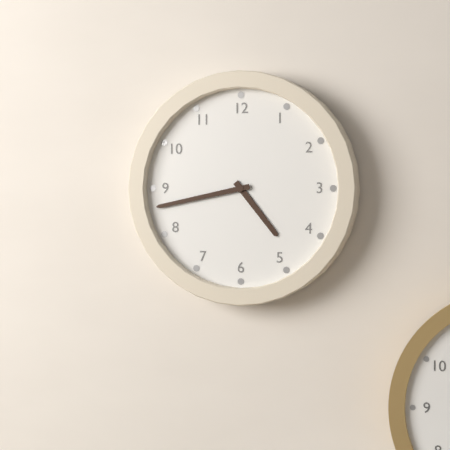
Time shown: {"hour": 4, "minute": 43}
